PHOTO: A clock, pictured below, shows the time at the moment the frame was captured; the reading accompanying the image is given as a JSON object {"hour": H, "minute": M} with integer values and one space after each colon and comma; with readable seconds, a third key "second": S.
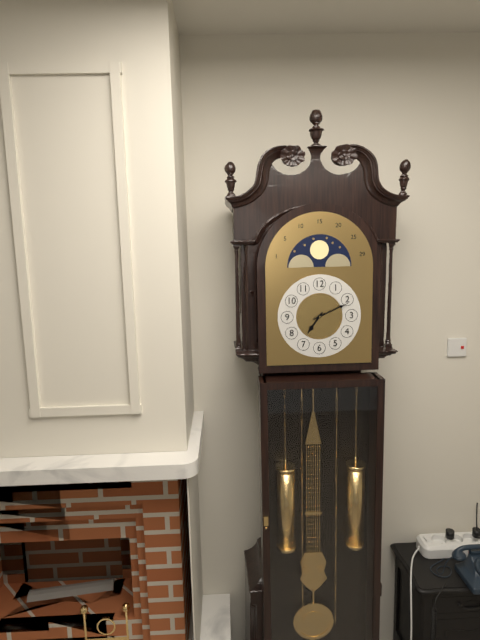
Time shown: {"hour": 7, "minute": 11}
